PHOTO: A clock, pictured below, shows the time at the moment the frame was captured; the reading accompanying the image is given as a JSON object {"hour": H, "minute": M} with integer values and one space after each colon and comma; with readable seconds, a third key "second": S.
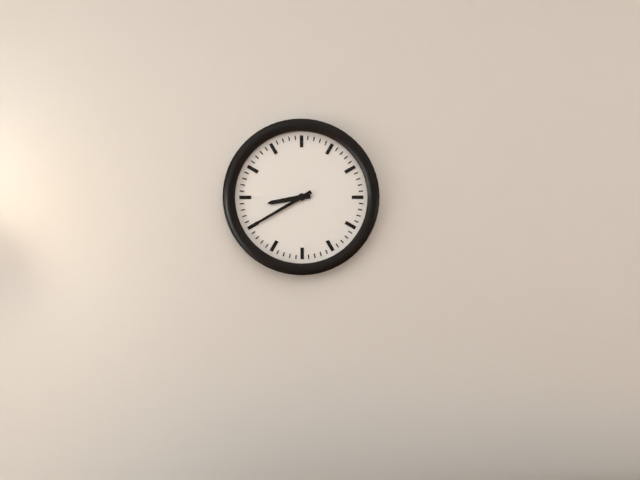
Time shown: {"hour": 8, "minute": 40}
